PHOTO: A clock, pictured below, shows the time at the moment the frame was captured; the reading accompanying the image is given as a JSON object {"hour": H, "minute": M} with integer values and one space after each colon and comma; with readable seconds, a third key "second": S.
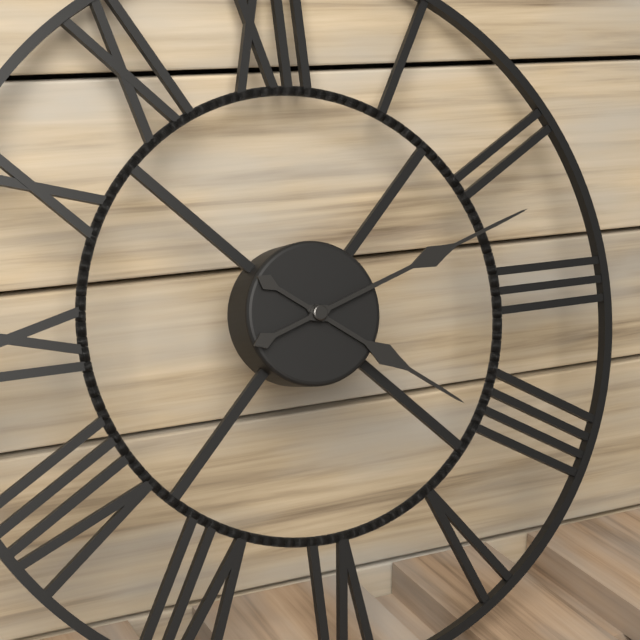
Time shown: {"hour": 4, "minute": 12}
